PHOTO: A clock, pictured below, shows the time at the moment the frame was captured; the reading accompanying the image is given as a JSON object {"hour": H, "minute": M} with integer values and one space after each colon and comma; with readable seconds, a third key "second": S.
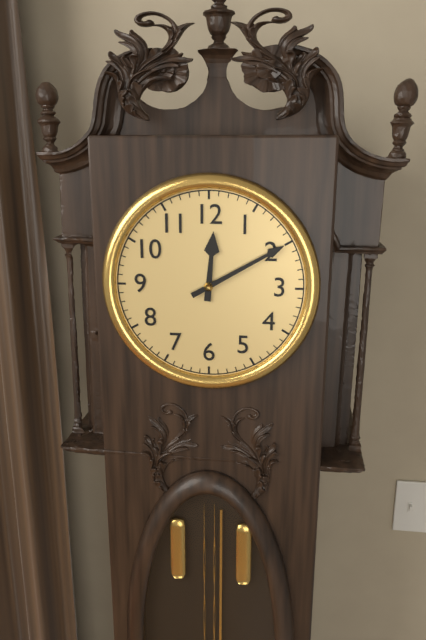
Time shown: {"hour": 12, "minute": 10}
